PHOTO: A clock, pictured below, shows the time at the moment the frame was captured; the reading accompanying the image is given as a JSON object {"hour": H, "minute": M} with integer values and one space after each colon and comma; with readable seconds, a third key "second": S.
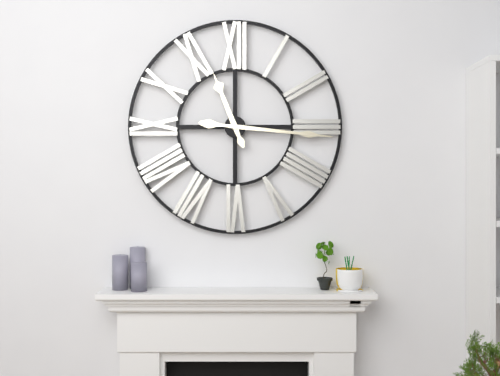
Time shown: {"hour": 11, "minute": 16}
